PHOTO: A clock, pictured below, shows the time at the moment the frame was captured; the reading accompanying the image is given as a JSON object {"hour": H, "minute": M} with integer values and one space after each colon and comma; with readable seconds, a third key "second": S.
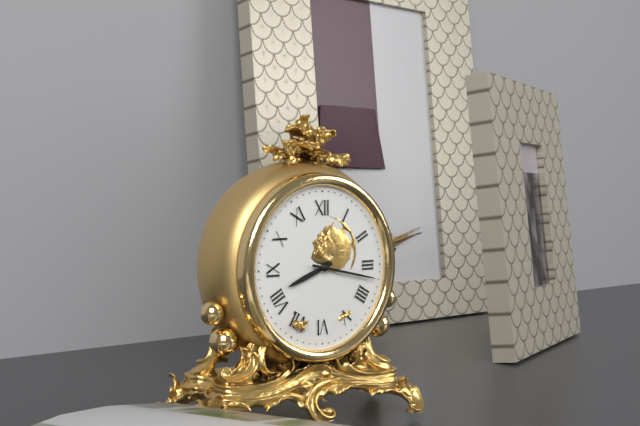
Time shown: {"hour": 8, "minute": 17}
